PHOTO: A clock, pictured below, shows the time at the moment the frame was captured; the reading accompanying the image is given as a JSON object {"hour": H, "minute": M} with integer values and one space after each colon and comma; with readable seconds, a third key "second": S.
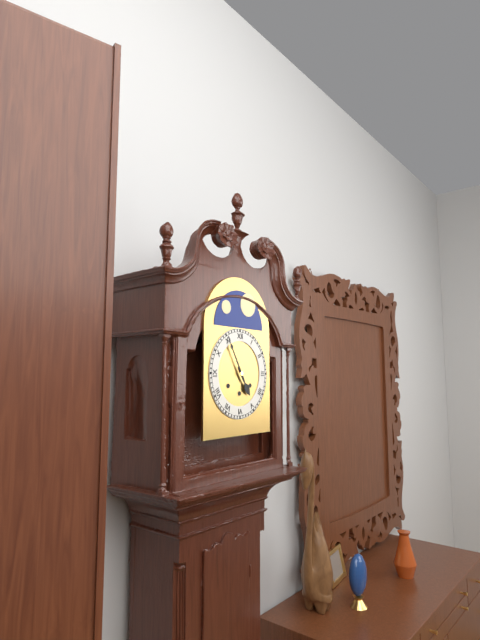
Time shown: {"hour": 4, "minute": 55}
